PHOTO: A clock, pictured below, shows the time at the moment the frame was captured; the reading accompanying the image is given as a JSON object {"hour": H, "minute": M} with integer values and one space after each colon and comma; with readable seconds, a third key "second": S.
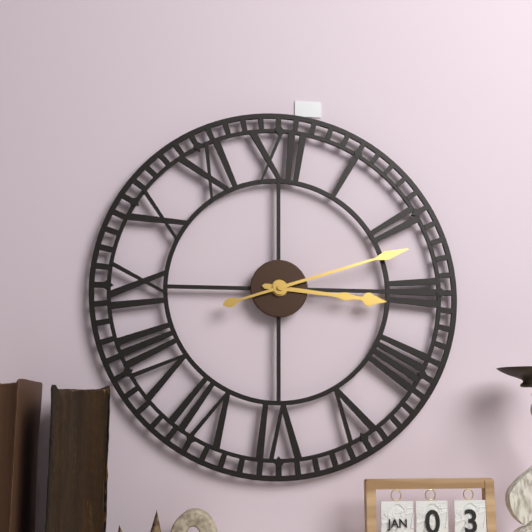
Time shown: {"hour": 3, "minute": 12}
